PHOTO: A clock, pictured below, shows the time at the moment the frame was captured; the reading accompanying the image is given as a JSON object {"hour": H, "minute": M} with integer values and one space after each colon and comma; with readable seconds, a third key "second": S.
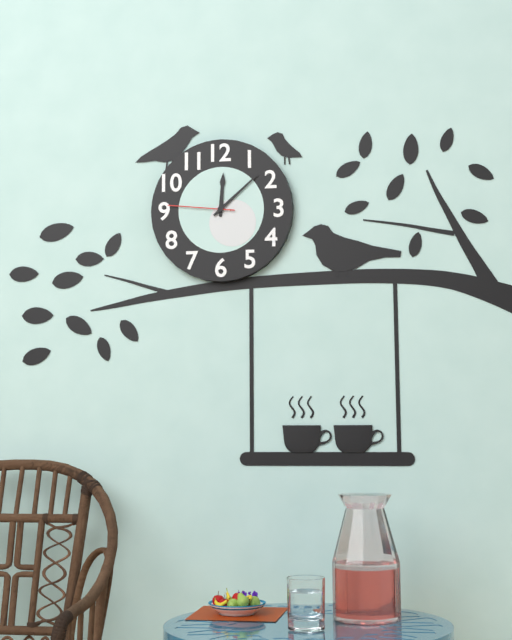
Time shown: {"hour": 12, "minute": 8, "second": 46}
